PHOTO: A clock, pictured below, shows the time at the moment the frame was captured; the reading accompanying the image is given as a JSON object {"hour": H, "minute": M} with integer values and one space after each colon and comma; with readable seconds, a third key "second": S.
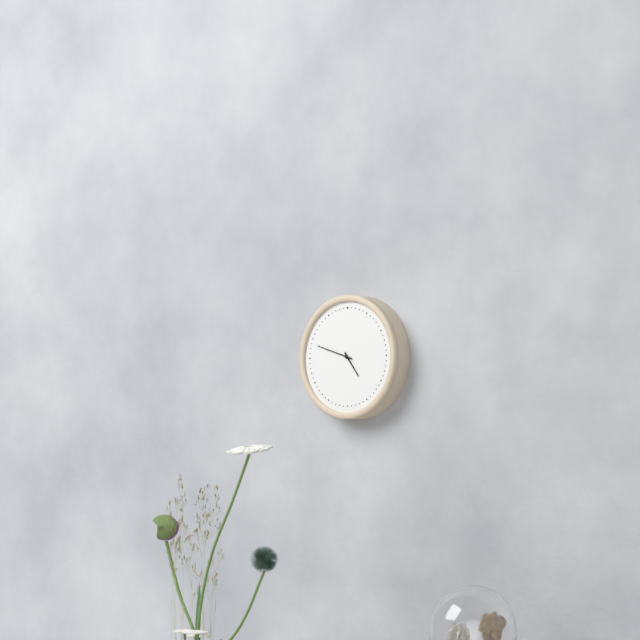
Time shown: {"hour": 4, "minute": 48}
